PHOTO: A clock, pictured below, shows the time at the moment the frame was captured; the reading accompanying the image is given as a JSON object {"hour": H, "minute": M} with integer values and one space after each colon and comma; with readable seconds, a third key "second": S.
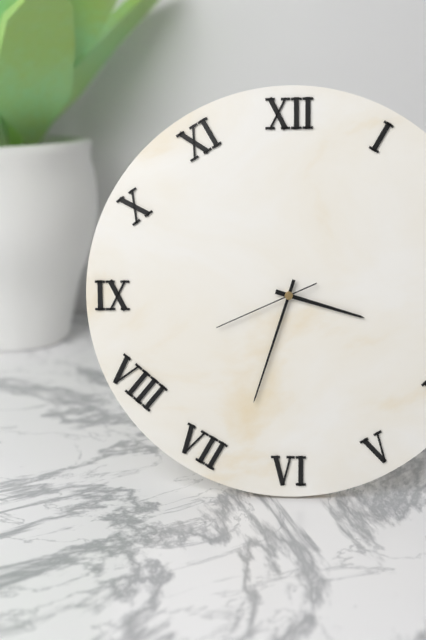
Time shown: {"hour": 3, "minute": 33, "second": 41}
